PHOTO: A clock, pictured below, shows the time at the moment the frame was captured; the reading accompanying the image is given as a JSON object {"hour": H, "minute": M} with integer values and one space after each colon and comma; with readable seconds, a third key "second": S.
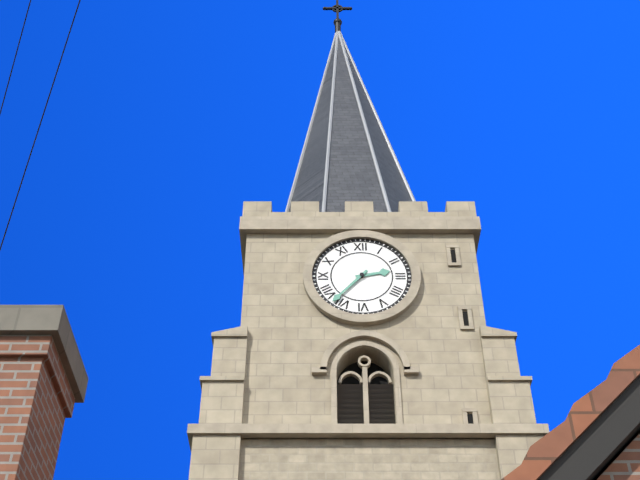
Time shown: {"hour": 2, "minute": 37}
